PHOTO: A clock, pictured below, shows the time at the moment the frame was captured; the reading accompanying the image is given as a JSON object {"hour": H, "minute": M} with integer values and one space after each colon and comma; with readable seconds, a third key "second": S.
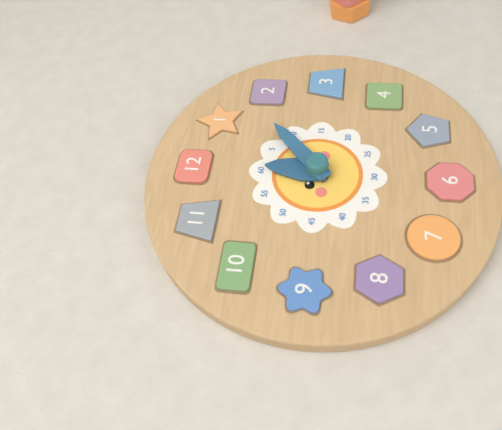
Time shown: {"hour": 12, "minute": 8}
